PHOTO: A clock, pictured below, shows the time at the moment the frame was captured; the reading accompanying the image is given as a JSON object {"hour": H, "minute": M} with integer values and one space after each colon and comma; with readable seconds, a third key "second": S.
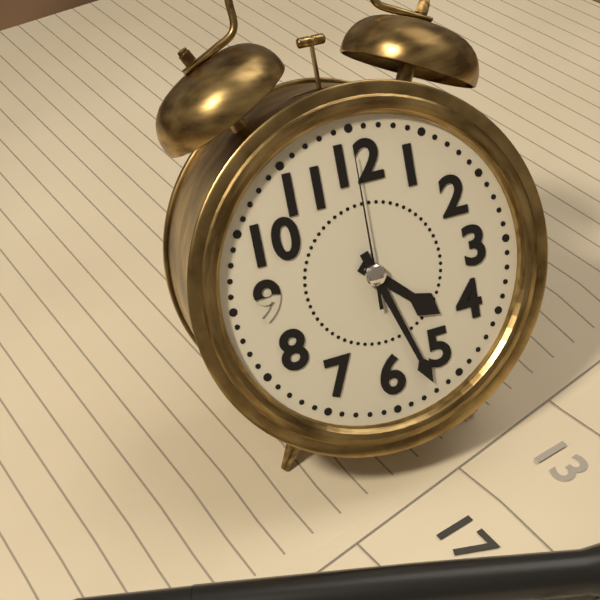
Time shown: {"hour": 4, "minute": 27, "second": 0}
